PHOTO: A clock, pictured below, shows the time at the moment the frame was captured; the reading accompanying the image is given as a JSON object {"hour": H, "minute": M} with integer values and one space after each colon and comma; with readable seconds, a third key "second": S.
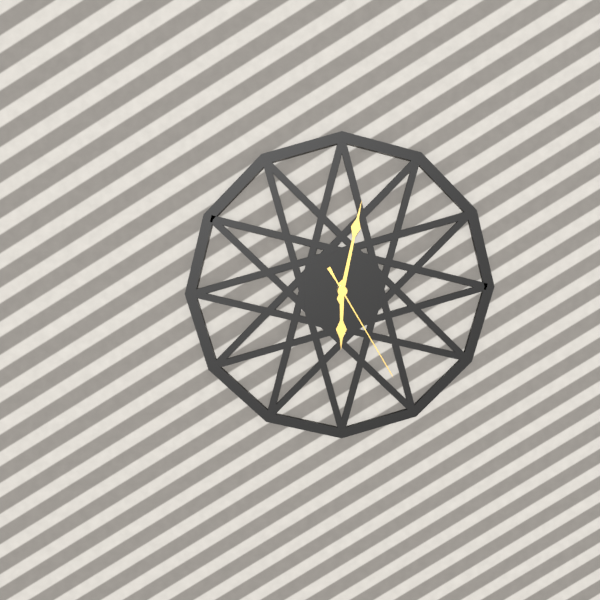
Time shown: {"hour": 6, "minute": 2, "second": 25}
